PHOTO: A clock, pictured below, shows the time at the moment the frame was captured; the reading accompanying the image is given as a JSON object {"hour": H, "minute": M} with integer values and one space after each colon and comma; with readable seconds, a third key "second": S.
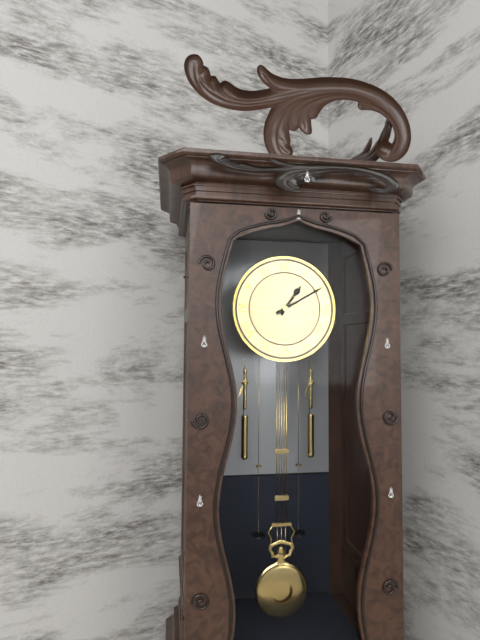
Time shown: {"hour": 1, "minute": 10}
